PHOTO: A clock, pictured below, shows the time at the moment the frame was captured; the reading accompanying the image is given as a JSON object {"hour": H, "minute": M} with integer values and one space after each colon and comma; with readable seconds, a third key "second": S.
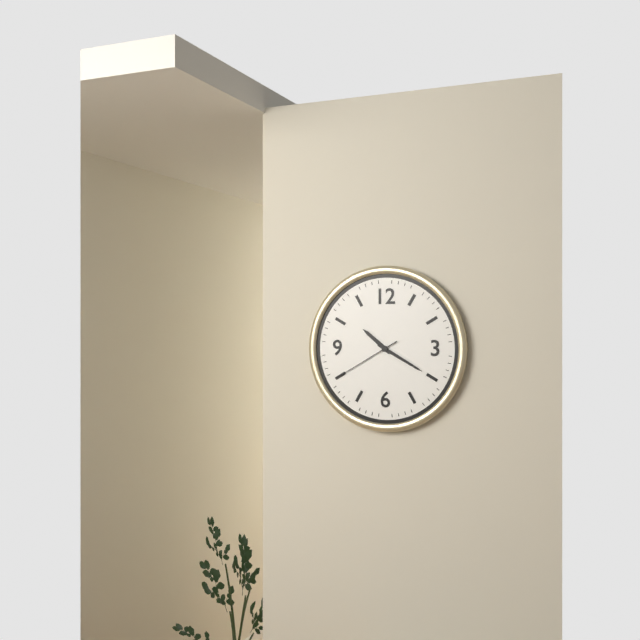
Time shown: {"hour": 10, "minute": 20, "second": 40}
